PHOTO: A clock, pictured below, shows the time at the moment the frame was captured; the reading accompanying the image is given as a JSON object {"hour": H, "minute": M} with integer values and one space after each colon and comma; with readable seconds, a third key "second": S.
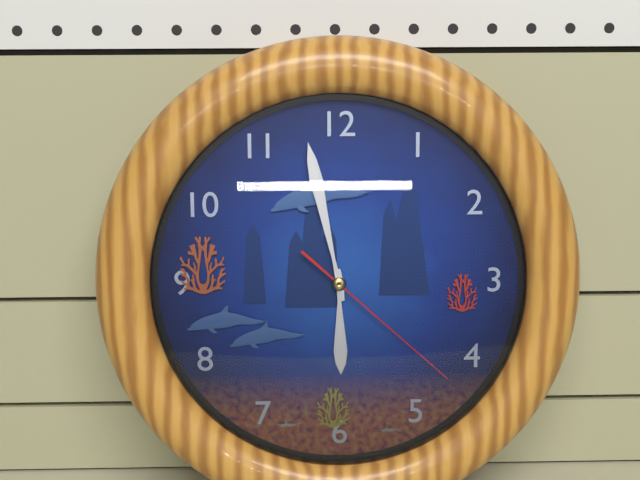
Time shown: {"hour": 5, "minute": 58, "second": 22}
